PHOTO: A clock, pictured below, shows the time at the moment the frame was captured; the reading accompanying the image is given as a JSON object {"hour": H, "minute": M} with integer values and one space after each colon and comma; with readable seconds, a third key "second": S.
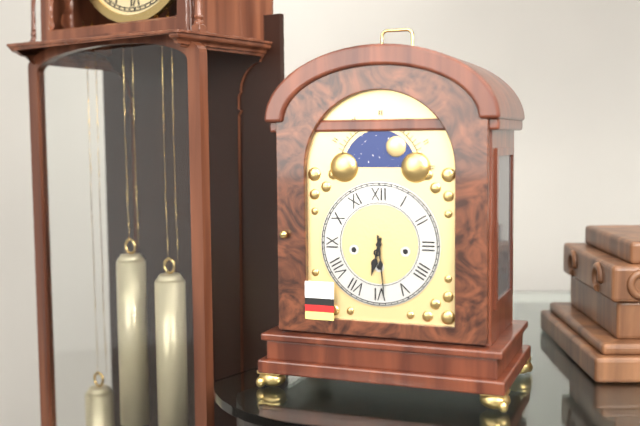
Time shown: {"hour": 6, "minute": 29}
